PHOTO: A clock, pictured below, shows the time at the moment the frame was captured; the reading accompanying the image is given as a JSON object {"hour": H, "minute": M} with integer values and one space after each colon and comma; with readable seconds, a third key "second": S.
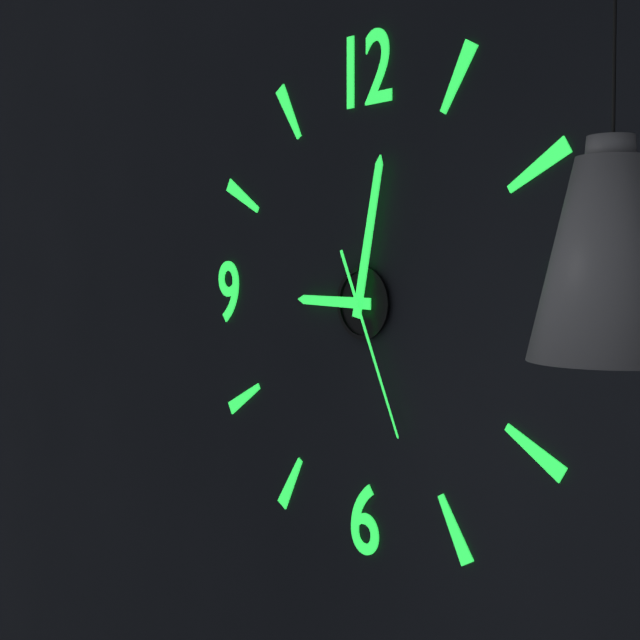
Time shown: {"hour": 9, "minute": 2, "second": 26}
